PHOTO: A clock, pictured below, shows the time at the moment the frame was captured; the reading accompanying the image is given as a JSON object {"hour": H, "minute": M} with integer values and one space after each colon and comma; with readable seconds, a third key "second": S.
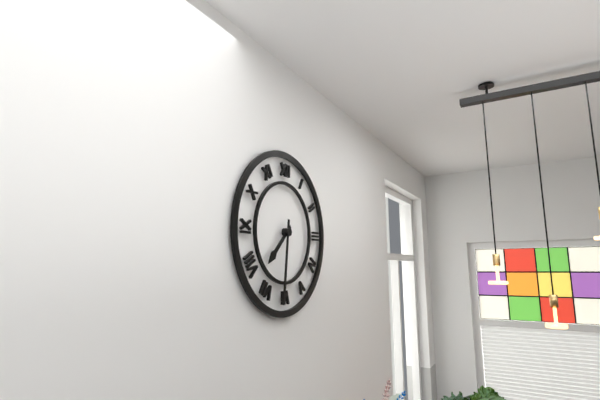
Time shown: {"hour": 7, "minute": 31}
